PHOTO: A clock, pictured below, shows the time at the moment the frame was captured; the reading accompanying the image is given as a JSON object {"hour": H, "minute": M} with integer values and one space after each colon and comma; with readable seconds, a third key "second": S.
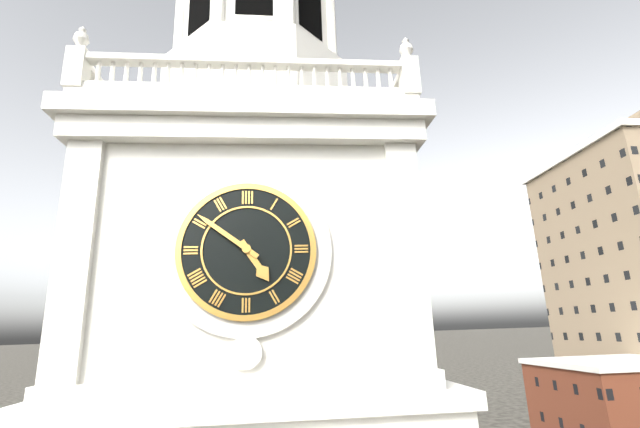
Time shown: {"hour": 4, "minute": 51}
